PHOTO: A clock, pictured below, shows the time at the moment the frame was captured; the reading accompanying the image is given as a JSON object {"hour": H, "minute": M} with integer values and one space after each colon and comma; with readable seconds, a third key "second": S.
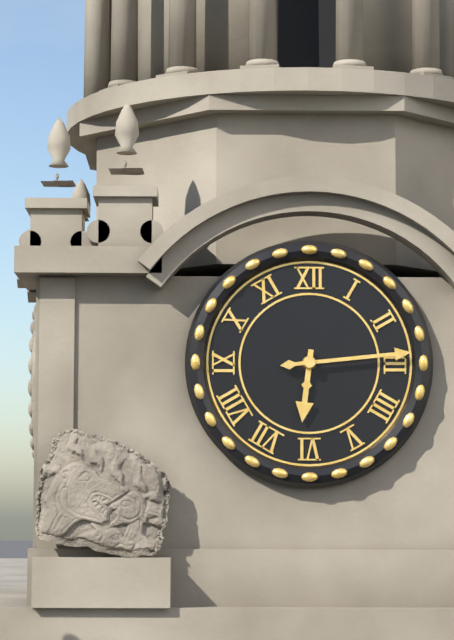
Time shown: {"hour": 6, "minute": 14}
